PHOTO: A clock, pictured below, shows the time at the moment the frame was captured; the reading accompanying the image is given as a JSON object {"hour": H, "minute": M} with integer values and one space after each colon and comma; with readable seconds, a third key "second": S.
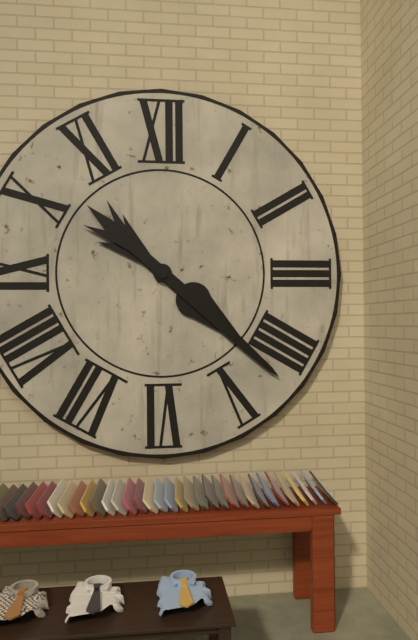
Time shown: {"hour": 4, "minute": 22}
